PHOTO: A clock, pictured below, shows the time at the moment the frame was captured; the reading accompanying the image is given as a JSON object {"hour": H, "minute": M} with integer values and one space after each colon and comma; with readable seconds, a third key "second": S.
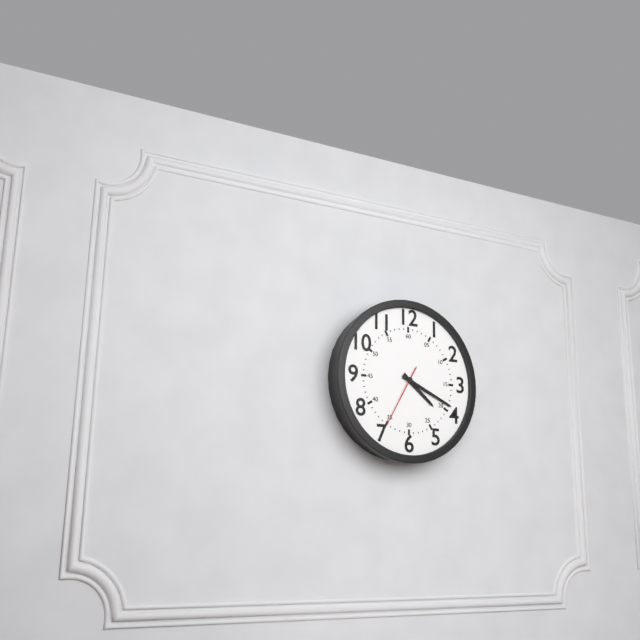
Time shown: {"hour": 4, "minute": 19, "second": 35}
